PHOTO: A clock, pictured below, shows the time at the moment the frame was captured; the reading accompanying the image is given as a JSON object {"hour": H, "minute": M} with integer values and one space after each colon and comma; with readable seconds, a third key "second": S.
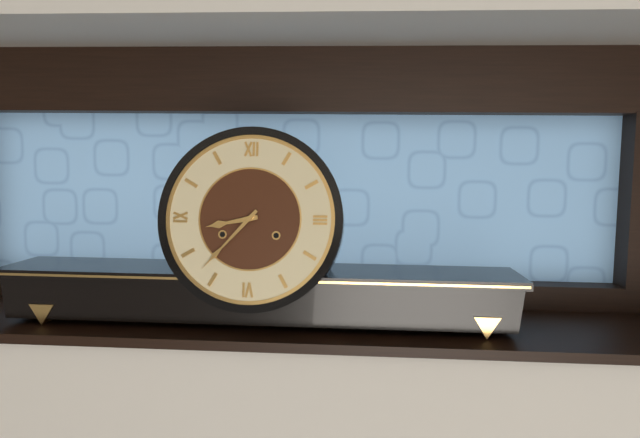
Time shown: {"hour": 8, "minute": 37}
